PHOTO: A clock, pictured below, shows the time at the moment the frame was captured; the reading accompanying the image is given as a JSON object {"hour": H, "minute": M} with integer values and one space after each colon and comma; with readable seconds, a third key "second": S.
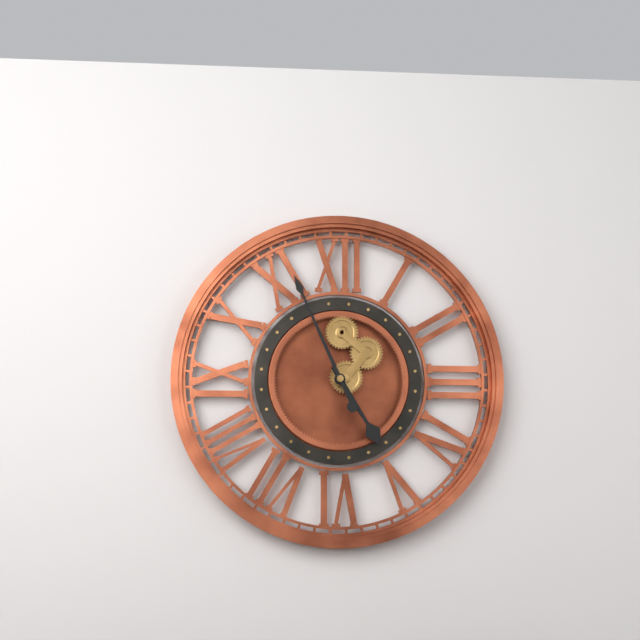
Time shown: {"hour": 4, "minute": 56}
